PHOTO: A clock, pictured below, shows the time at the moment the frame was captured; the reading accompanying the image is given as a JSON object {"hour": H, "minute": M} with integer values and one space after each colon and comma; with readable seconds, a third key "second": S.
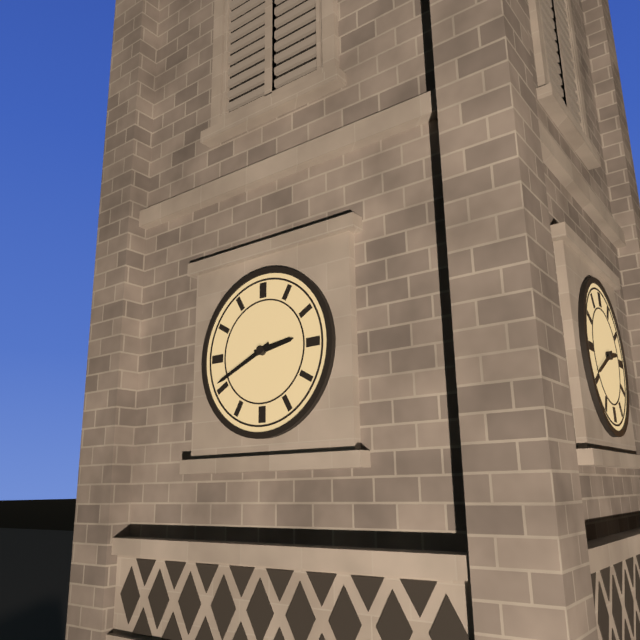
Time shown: {"hour": 2, "minute": 41}
